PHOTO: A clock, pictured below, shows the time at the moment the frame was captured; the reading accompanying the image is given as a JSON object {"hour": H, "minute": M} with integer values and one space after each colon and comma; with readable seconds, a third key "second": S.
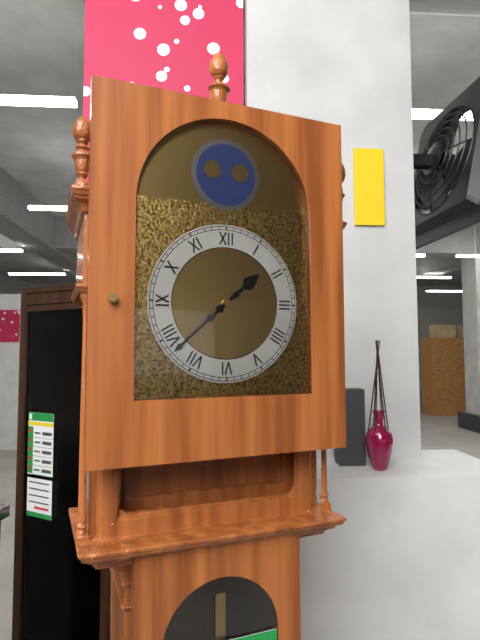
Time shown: {"hour": 1, "minute": 38}
